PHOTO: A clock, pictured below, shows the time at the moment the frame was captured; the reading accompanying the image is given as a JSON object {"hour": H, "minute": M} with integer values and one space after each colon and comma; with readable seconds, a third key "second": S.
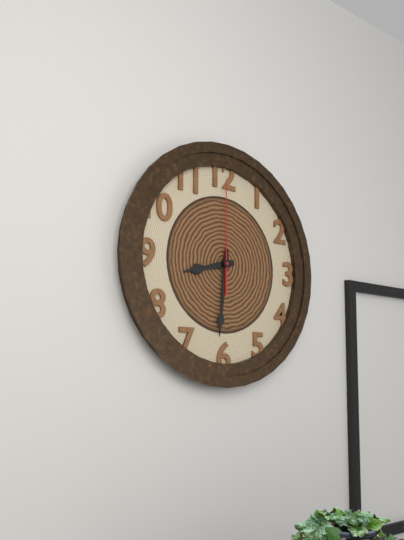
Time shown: {"hour": 8, "minute": 31, "second": 0}
